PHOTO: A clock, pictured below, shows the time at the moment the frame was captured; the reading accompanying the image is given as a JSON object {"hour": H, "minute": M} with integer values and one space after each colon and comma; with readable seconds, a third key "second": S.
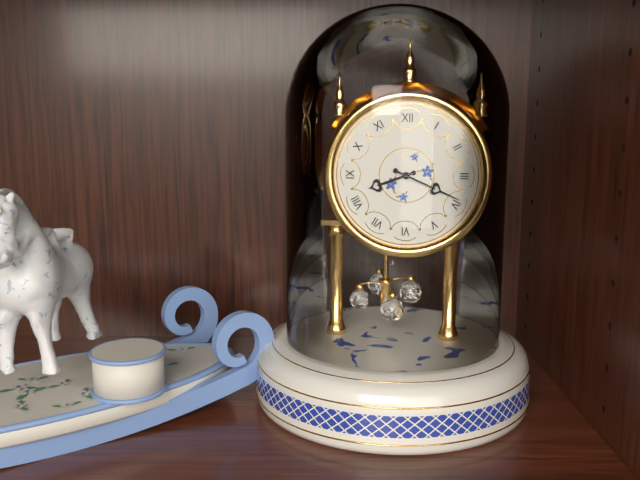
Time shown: {"hour": 8, "minute": 19}
